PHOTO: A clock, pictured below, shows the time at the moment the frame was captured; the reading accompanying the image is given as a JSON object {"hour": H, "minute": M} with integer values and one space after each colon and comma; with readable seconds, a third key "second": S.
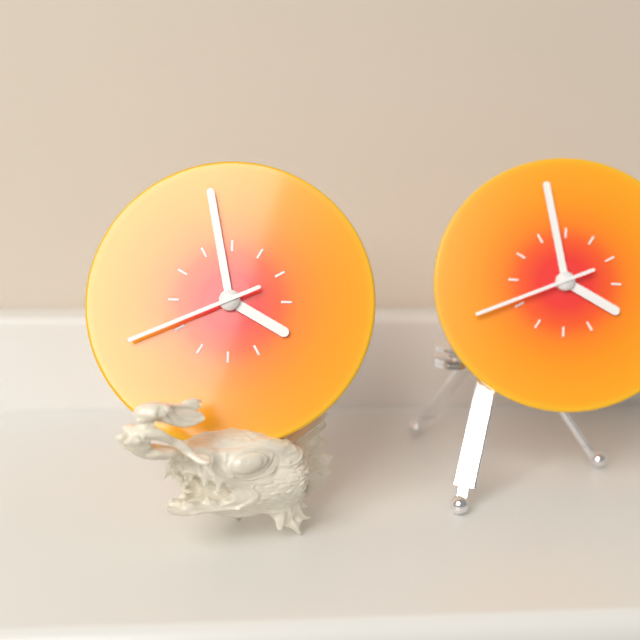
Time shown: {"hour": 3, "minute": 58, "second": 41}
